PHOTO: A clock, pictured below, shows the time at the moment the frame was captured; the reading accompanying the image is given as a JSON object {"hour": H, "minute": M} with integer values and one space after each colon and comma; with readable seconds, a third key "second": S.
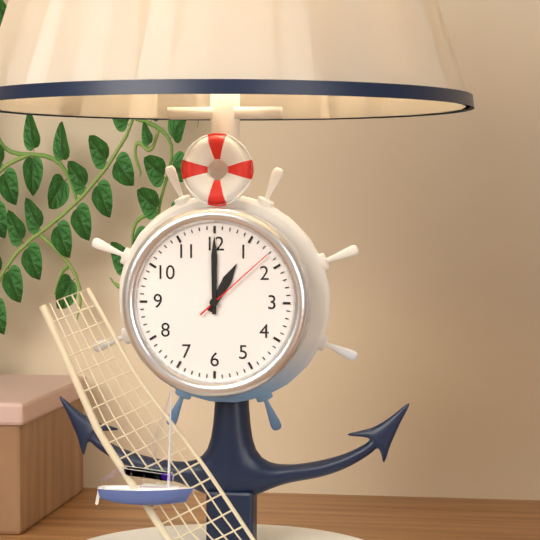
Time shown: {"hour": 1, "minute": 0, "second": 8}
